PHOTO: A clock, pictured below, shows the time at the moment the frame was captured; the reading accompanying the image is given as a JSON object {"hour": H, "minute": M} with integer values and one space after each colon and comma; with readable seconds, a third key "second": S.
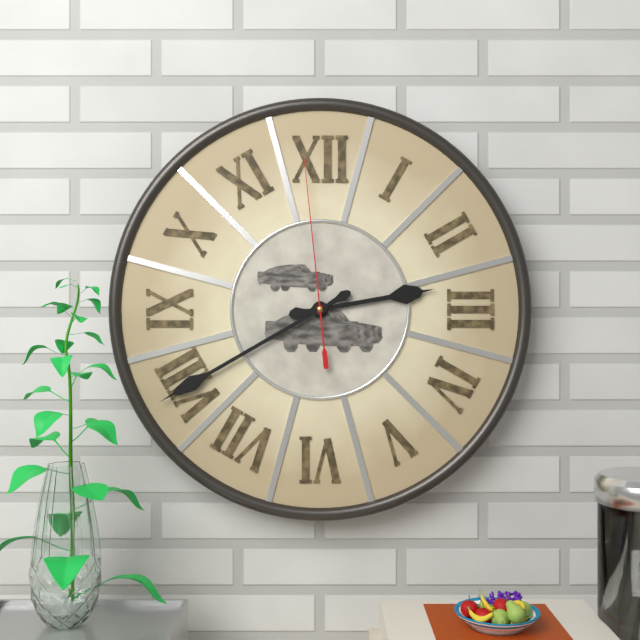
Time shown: {"hour": 2, "minute": 40, "second": 59}
